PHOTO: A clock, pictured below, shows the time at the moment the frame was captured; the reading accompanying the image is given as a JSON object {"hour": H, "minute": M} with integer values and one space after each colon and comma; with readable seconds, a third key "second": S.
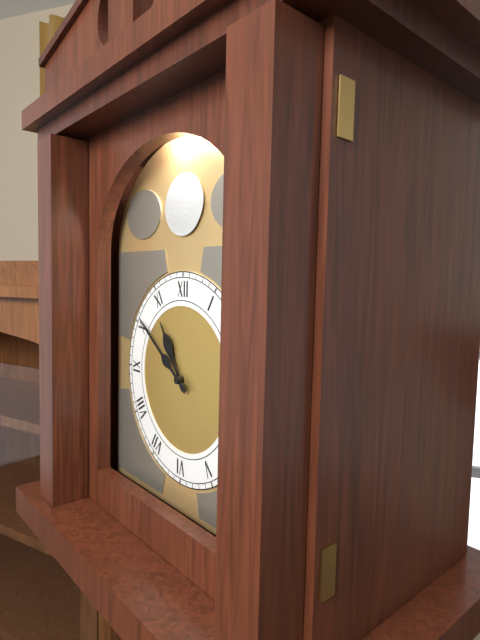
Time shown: {"hour": 10, "minute": 51}
